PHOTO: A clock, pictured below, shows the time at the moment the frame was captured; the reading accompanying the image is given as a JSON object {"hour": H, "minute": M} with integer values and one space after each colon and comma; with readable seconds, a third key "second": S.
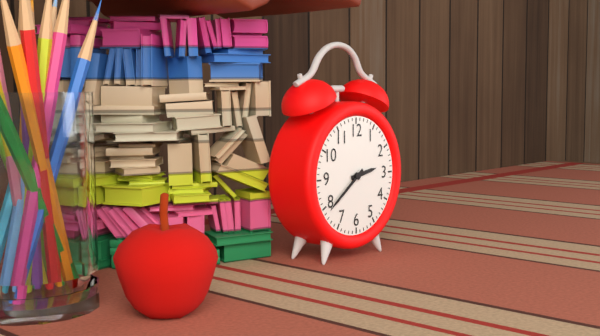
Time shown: {"hour": 2, "minute": 39}
